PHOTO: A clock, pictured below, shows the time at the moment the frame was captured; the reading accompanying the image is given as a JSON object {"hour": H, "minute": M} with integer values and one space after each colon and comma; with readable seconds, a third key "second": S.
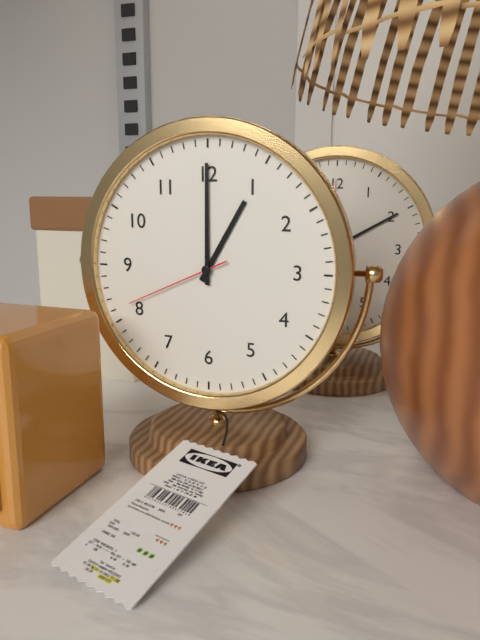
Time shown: {"hour": 1, "minute": 0, "second": 41}
